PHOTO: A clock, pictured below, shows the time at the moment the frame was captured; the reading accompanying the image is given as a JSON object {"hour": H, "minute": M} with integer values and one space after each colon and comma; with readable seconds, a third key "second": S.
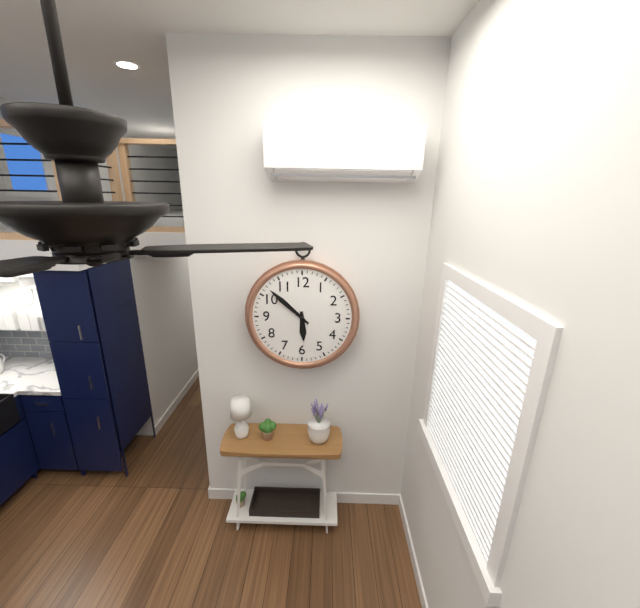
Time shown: {"hour": 5, "minute": 52}
